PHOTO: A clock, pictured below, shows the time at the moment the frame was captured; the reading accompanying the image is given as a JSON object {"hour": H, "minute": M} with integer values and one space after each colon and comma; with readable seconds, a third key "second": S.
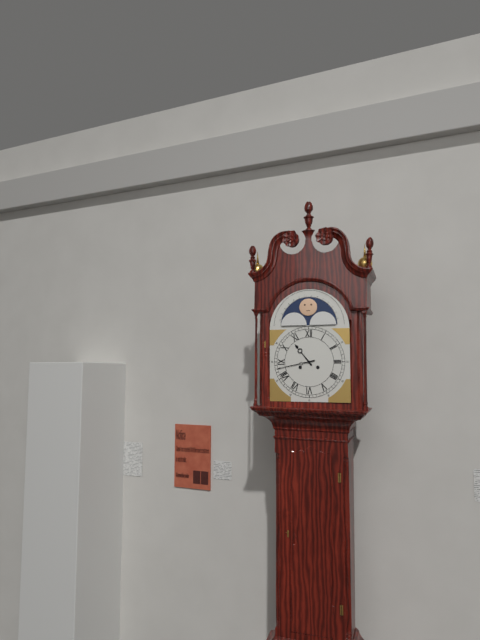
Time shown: {"hour": 10, "minute": 43}
